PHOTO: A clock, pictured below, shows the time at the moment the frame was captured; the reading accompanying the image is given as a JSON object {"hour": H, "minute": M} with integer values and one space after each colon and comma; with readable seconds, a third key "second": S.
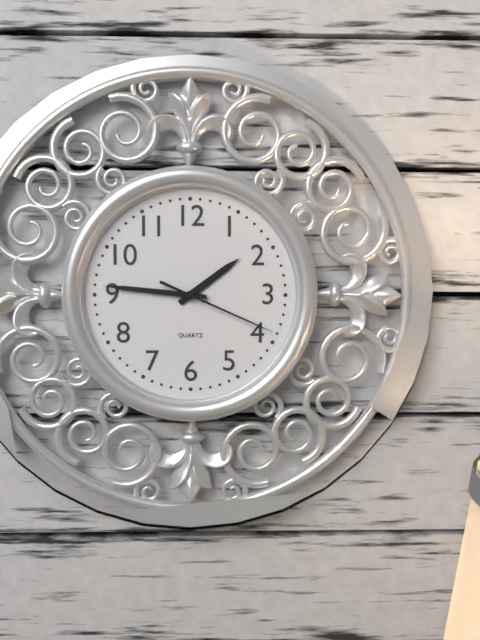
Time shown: {"hour": 1, "minute": 46, "second": 19}
